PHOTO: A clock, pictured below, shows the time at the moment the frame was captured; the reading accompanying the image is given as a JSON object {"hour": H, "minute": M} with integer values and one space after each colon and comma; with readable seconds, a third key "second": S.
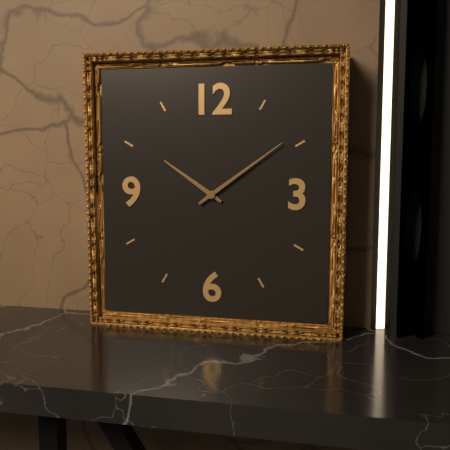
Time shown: {"hour": 10, "minute": 9}
